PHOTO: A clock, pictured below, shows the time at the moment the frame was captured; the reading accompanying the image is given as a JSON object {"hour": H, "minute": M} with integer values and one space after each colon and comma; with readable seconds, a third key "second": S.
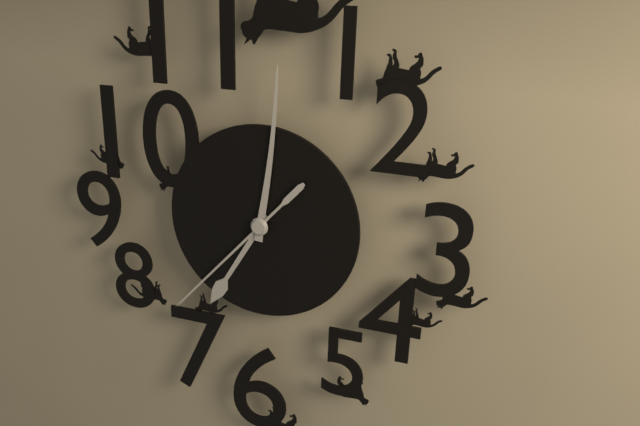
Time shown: {"hour": 7, "minute": 1, "second": 37}
